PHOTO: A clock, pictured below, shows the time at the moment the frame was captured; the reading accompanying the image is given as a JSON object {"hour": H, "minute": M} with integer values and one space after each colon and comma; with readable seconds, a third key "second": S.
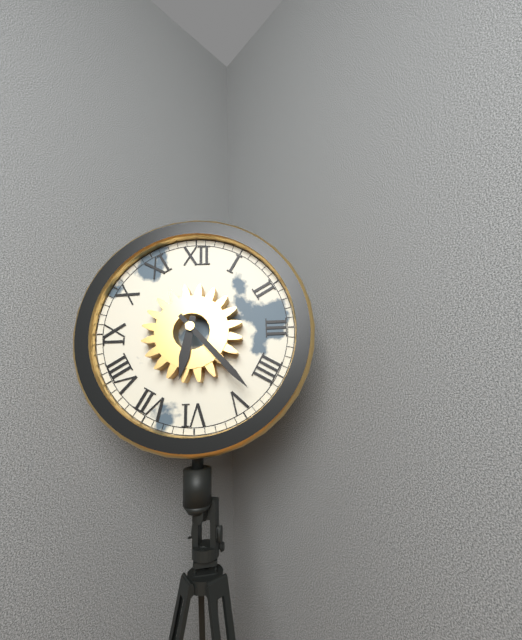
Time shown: {"hour": 6, "minute": 23}
